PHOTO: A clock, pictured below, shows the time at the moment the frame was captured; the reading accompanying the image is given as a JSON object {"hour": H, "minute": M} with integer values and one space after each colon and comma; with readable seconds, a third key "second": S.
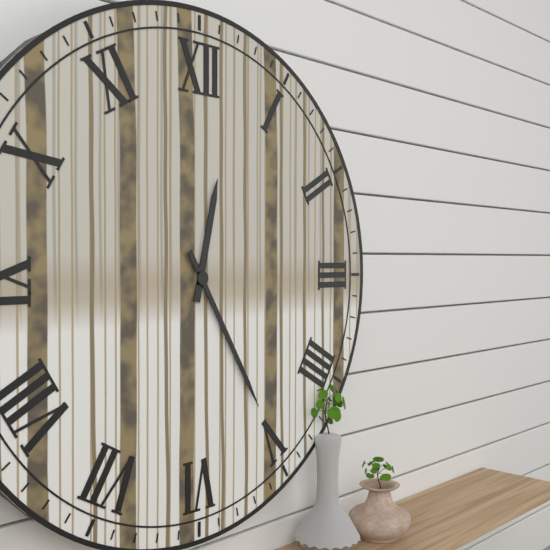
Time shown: {"hour": 12, "minute": 25}
